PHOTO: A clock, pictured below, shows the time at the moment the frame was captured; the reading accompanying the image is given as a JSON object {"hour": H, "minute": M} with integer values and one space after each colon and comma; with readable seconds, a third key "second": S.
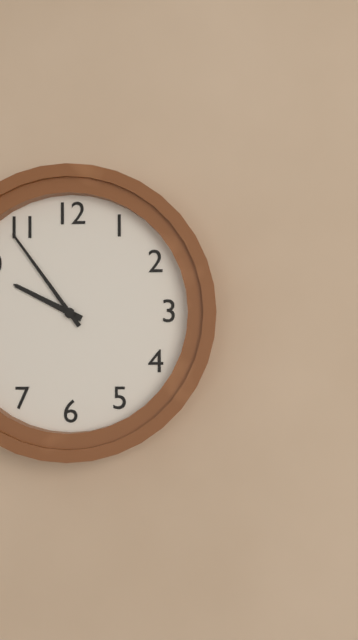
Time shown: {"hour": 9, "minute": 54}
